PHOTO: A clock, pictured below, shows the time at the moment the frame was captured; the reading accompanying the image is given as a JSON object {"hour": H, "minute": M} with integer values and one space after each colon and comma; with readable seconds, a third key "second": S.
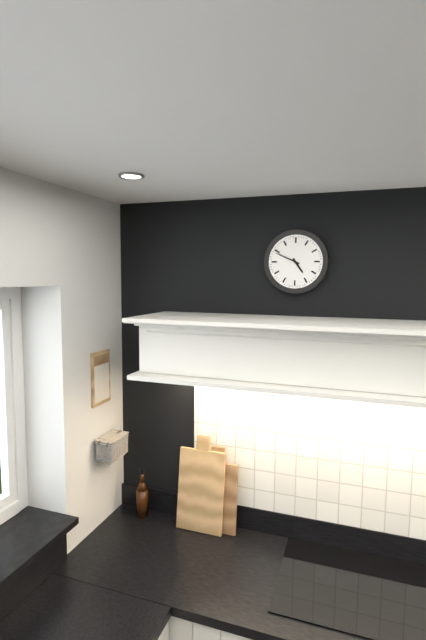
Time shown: {"hour": 4, "minute": 49}
